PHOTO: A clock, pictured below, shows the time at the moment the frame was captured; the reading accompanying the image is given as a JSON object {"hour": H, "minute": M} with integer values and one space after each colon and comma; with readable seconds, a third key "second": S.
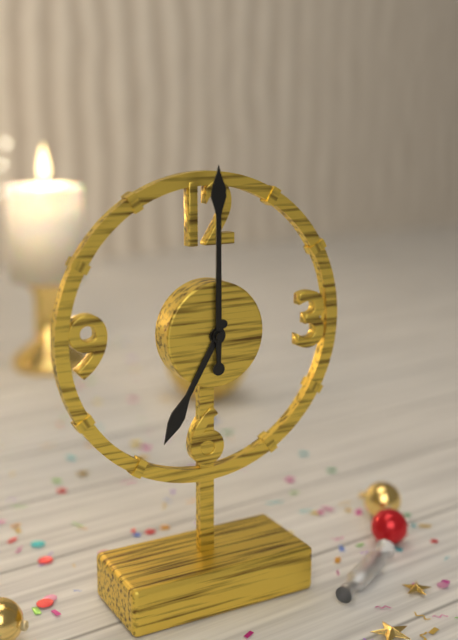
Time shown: {"hour": 7, "minute": 0}
